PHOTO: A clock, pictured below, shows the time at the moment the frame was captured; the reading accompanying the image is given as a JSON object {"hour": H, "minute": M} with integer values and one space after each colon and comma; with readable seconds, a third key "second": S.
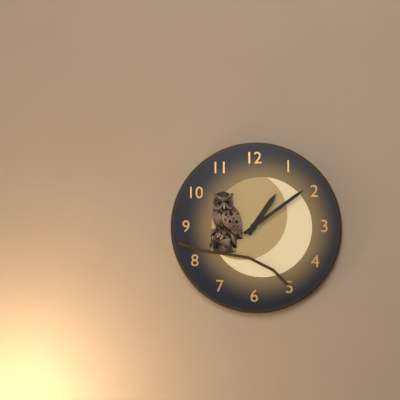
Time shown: {"hour": 1, "minute": 9}
